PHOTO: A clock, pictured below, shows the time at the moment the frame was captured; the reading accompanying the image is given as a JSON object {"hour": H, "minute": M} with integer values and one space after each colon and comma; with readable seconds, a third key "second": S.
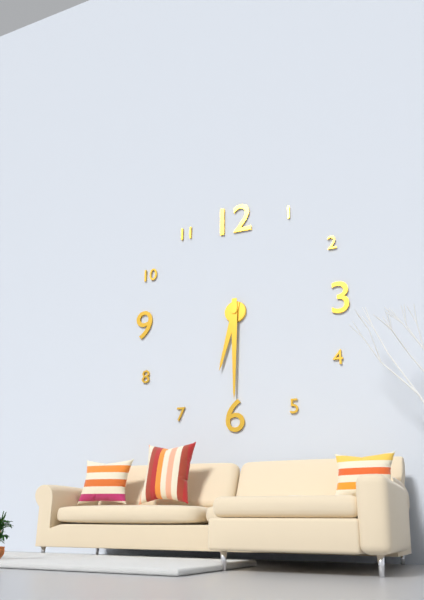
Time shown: {"hour": 6, "minute": 30}
